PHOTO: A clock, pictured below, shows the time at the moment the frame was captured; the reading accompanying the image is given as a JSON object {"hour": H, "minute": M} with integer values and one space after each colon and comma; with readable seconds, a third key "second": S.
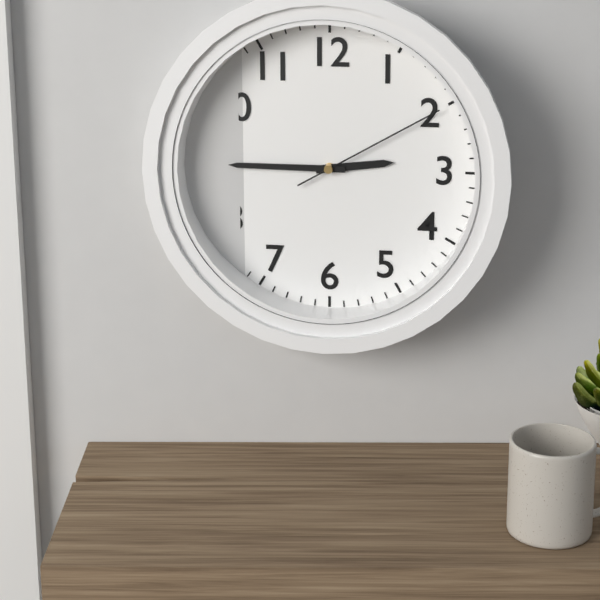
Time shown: {"hour": 2, "minute": 45, "second": 10}
